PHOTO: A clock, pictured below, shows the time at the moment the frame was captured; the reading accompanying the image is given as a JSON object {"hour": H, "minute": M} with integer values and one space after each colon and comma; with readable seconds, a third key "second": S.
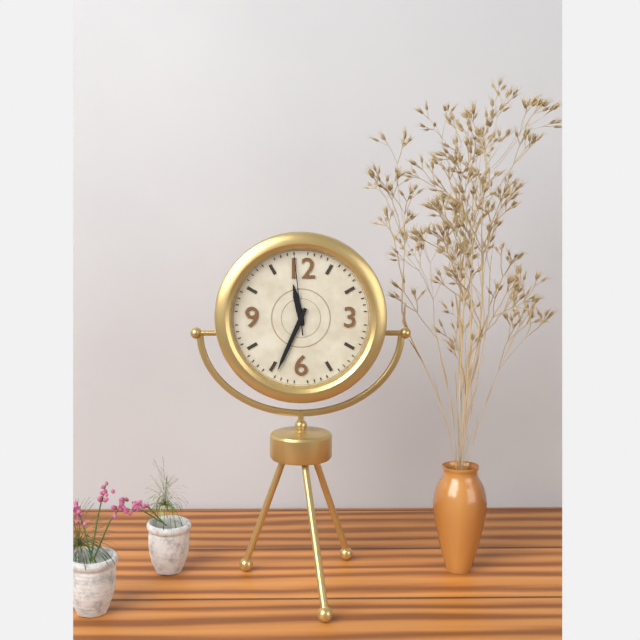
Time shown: {"hour": 11, "minute": 34, "second": 59}
